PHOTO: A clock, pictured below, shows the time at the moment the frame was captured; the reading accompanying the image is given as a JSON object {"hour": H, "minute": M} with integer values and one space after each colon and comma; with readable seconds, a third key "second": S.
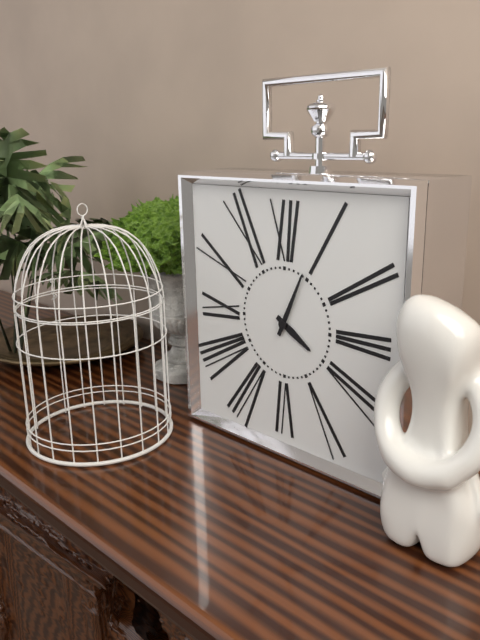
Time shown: {"hour": 4, "minute": 4}
